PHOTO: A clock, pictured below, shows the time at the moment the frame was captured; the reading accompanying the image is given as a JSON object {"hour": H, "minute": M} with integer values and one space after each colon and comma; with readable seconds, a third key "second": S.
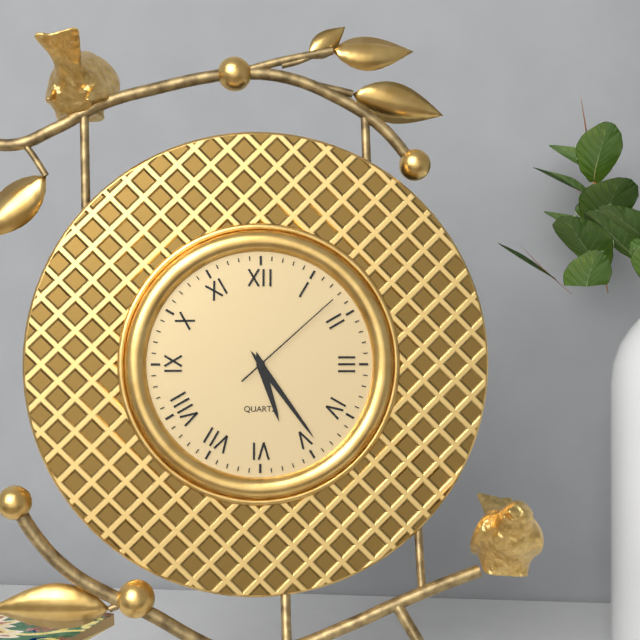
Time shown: {"hour": 5, "minute": 24, "second": 8}
